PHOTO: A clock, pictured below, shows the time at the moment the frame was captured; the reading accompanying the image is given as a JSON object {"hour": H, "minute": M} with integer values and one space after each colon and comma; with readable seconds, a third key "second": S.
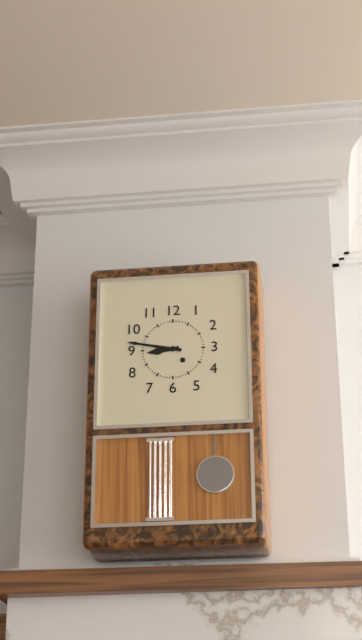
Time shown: {"hour": 8, "minute": 47}
